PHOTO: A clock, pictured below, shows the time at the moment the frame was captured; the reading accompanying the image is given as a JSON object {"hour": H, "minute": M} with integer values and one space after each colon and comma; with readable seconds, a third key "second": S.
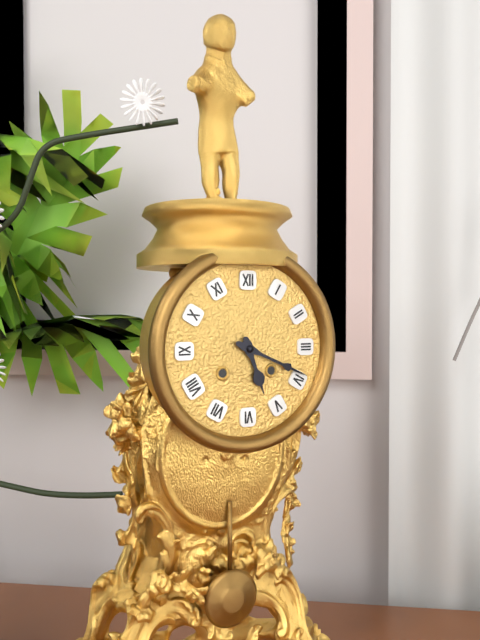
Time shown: {"hour": 5, "minute": 19}
